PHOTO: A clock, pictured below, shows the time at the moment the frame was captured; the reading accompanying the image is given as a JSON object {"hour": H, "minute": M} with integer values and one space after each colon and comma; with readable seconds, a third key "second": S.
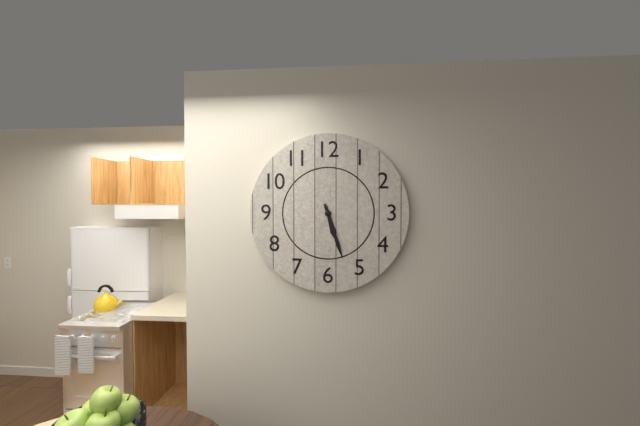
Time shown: {"hour": 5, "minute": 27}
